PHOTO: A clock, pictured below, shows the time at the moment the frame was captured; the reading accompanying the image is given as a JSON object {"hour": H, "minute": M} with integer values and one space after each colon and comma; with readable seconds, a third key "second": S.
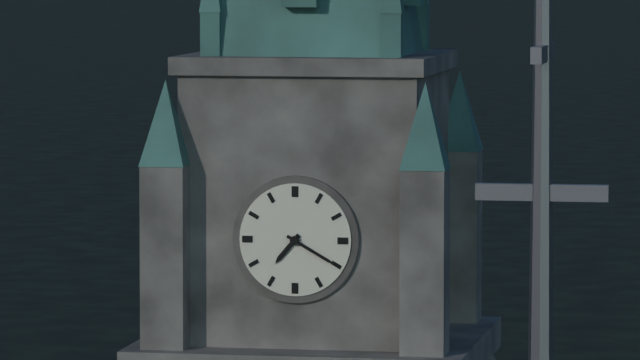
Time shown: {"hour": 7, "minute": 20}
